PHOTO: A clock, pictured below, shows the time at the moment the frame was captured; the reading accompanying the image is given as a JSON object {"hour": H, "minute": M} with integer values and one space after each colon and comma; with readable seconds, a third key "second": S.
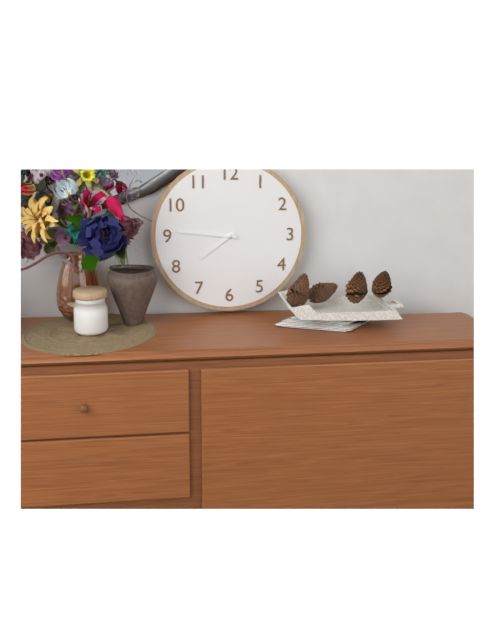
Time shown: {"hour": 7, "minute": 46}
